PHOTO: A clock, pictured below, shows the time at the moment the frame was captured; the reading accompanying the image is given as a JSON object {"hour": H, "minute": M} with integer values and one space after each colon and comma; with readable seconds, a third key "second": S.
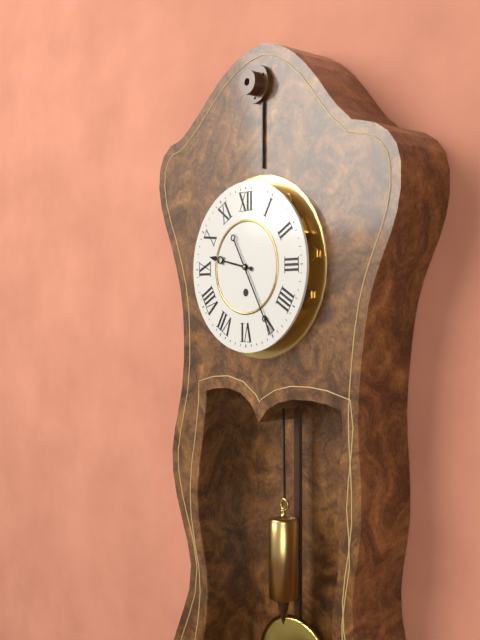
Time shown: {"hour": 9, "minute": 25}
